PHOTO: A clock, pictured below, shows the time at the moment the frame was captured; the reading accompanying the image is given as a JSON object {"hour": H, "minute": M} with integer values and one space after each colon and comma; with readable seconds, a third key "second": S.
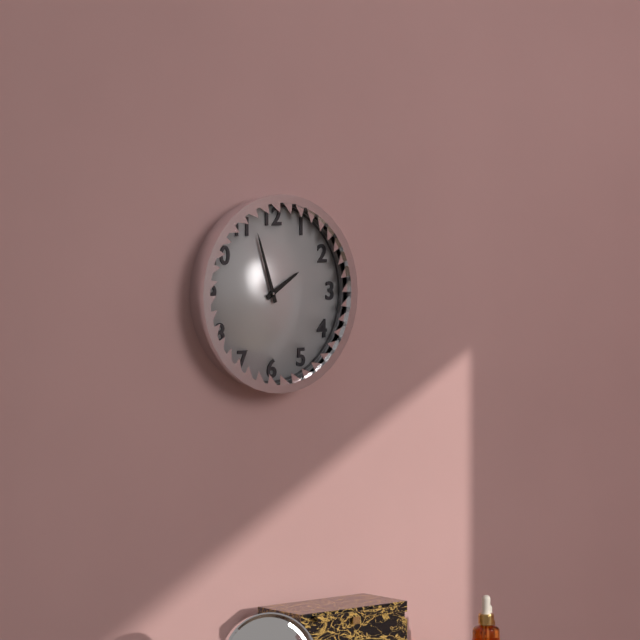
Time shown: {"hour": 1, "minute": 57}
